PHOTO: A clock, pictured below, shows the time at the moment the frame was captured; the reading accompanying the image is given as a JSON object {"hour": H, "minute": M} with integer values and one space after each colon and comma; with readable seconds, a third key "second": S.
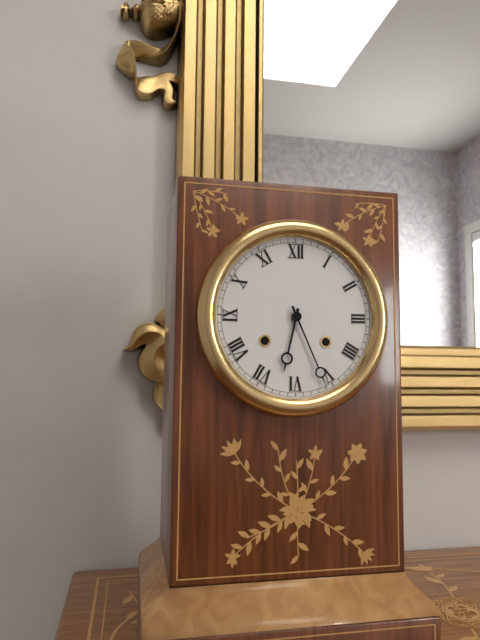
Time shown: {"hour": 6, "minute": 26}
